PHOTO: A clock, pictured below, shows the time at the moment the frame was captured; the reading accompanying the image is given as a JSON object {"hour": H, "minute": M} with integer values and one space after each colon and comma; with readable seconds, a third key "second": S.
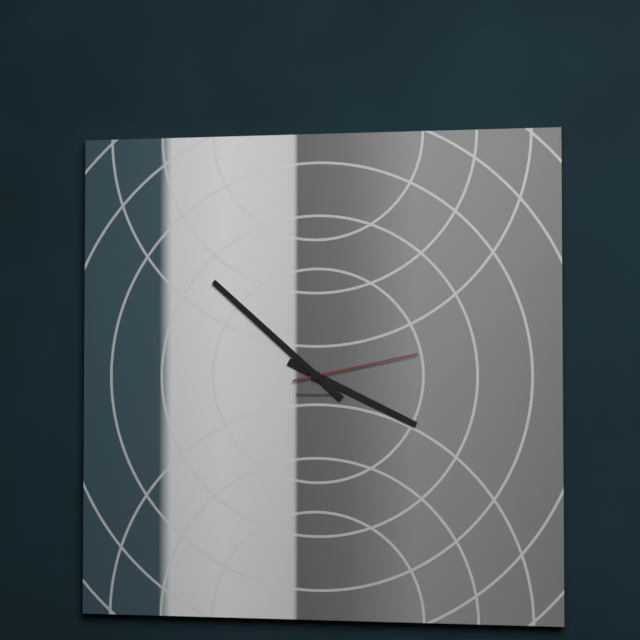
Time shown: {"hour": 3, "minute": 52, "second": 13}
